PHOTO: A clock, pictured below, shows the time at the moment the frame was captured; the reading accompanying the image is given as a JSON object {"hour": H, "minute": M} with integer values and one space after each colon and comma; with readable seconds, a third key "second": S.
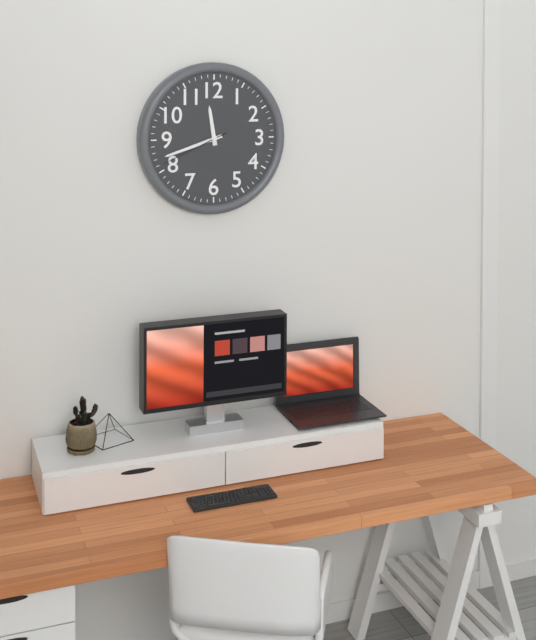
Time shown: {"hour": 11, "minute": 42, "second": 41}
